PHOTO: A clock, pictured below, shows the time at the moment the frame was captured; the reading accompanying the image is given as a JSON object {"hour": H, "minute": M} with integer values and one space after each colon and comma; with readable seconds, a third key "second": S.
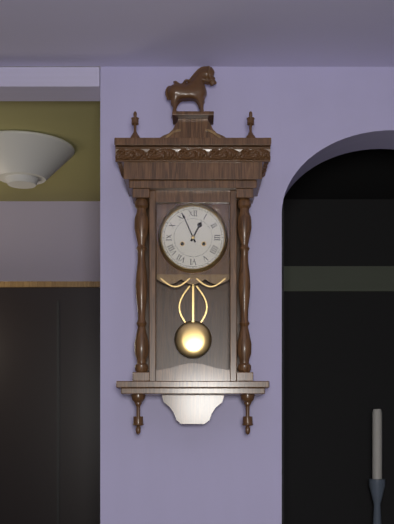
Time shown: {"hour": 12, "minute": 56}
